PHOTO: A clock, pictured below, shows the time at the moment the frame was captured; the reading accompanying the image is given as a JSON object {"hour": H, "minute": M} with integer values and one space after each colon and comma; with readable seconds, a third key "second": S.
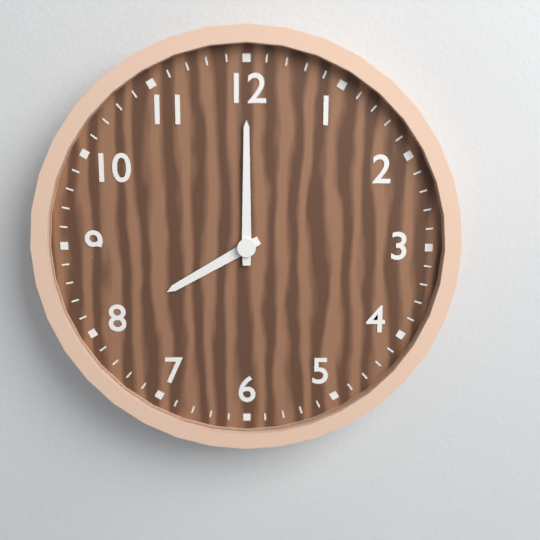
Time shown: {"hour": 8, "minute": 0}
